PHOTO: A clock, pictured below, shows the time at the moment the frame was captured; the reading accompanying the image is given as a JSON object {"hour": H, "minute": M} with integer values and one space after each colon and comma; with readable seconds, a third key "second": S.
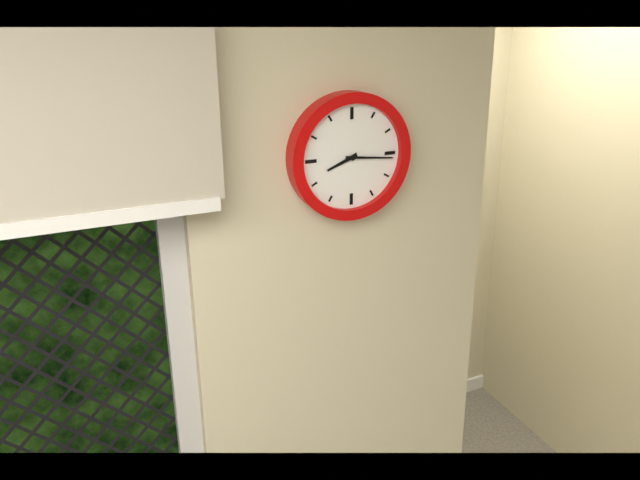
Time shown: {"hour": 8, "minute": 16}
